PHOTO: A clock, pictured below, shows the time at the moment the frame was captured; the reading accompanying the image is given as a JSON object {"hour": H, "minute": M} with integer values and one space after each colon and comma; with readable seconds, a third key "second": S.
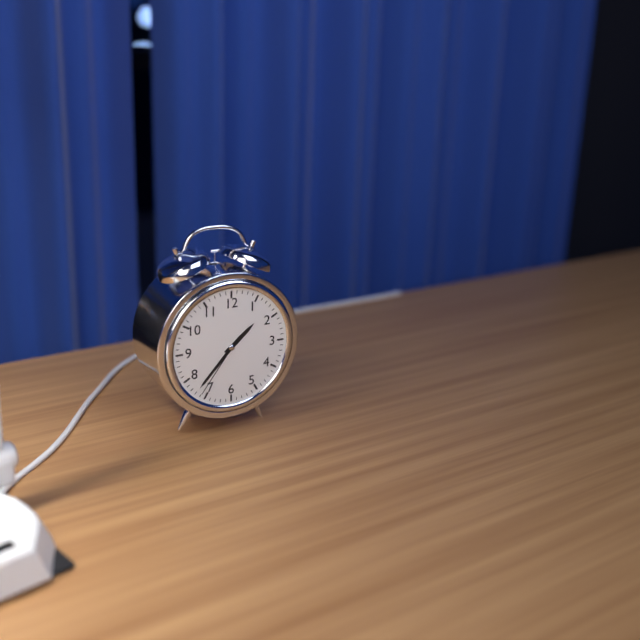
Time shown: {"hour": 1, "minute": 37, "second": 36}
